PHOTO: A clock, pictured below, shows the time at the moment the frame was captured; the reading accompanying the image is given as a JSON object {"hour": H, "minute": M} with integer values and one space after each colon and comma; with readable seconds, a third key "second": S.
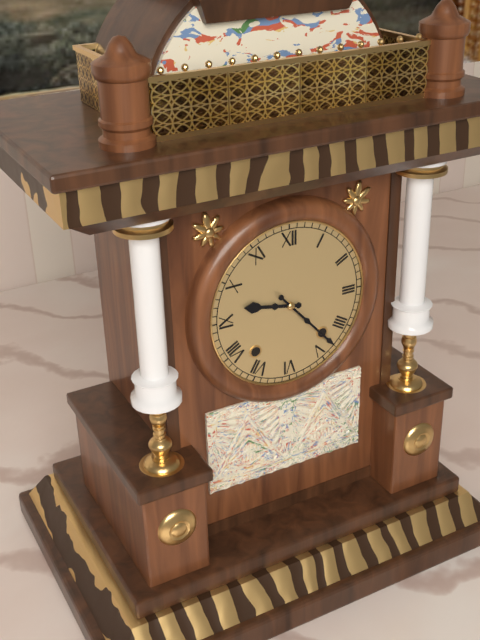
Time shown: {"hour": 9, "minute": 23}
